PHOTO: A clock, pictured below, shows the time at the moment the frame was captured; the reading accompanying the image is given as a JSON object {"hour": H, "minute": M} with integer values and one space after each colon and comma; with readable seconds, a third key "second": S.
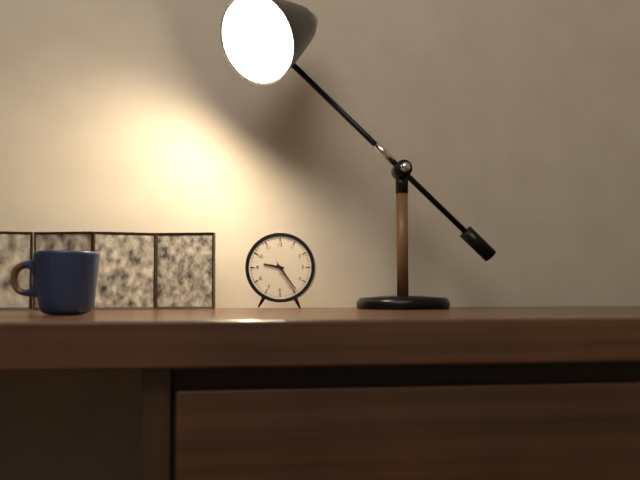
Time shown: {"hour": 9, "minute": 24}
